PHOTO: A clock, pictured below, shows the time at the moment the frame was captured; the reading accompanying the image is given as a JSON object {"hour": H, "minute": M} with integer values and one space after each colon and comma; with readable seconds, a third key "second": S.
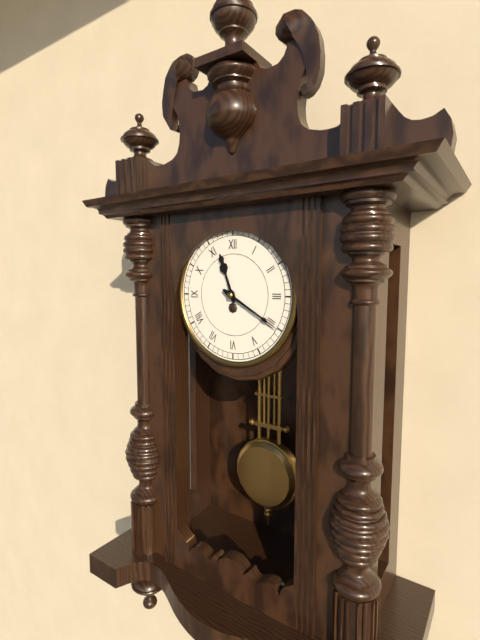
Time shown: {"hour": 11, "minute": 20}
